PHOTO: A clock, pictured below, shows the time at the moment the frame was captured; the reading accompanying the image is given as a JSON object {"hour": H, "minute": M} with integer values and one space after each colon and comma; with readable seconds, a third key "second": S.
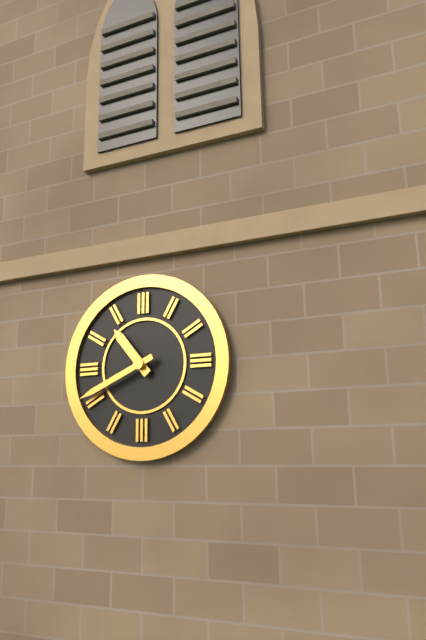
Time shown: {"hour": 10, "minute": 41}
